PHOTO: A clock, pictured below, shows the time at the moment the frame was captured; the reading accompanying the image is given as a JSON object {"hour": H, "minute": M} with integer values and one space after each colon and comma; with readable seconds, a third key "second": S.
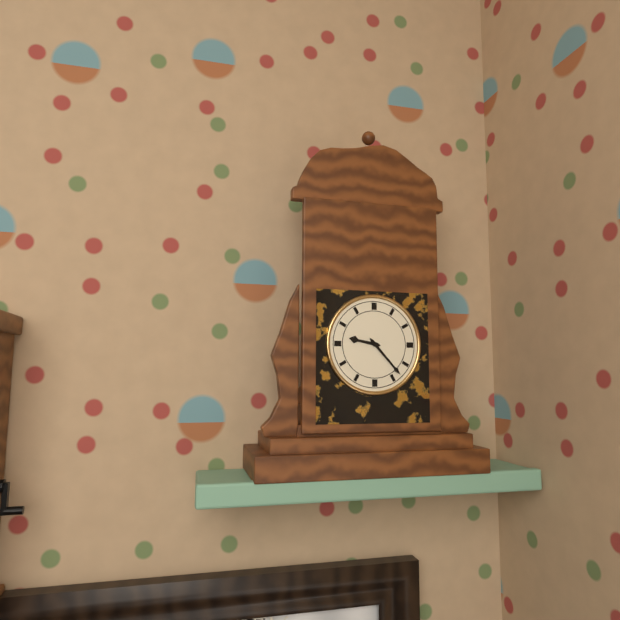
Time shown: {"hour": 9, "minute": 23}
